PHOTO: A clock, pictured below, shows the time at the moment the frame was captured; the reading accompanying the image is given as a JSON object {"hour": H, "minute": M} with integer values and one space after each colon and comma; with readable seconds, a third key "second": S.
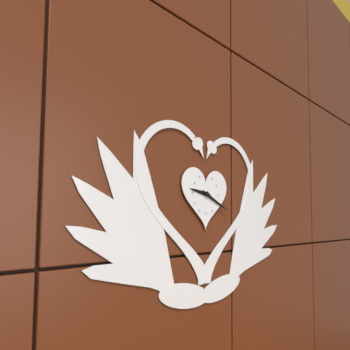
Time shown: {"hour": 9, "minute": 19}
